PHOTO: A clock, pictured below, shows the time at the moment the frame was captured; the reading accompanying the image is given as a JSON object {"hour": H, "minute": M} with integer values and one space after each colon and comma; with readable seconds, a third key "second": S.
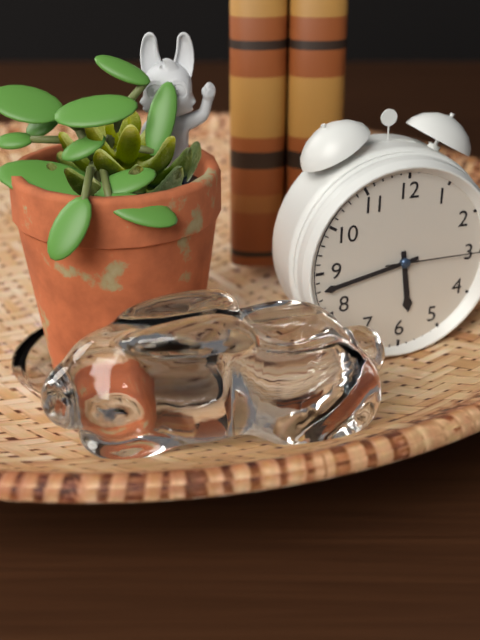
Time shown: {"hour": 5, "minute": 43}
